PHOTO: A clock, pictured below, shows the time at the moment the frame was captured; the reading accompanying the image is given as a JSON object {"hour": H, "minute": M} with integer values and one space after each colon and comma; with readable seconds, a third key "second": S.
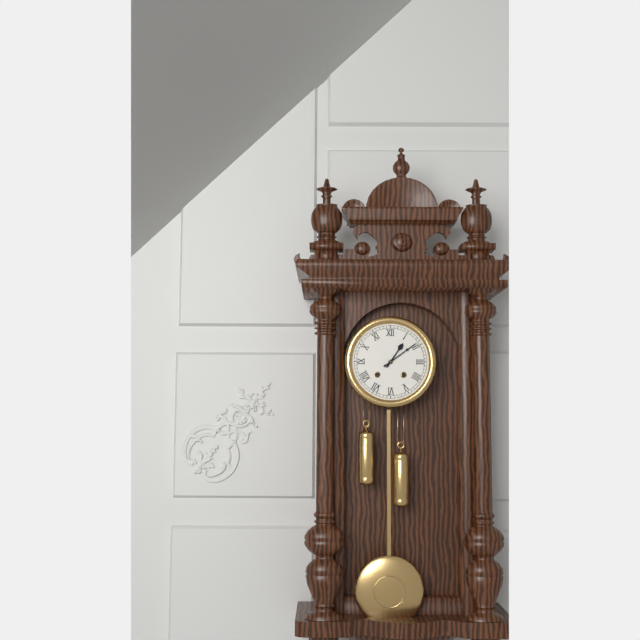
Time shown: {"hour": 1, "minute": 9}
